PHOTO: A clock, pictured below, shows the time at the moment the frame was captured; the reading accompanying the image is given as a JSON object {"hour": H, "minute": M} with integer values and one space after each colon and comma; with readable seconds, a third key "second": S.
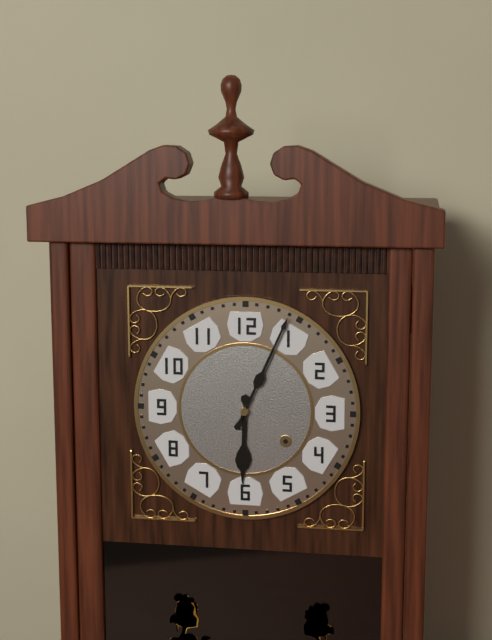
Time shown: {"hour": 6, "minute": 4}
